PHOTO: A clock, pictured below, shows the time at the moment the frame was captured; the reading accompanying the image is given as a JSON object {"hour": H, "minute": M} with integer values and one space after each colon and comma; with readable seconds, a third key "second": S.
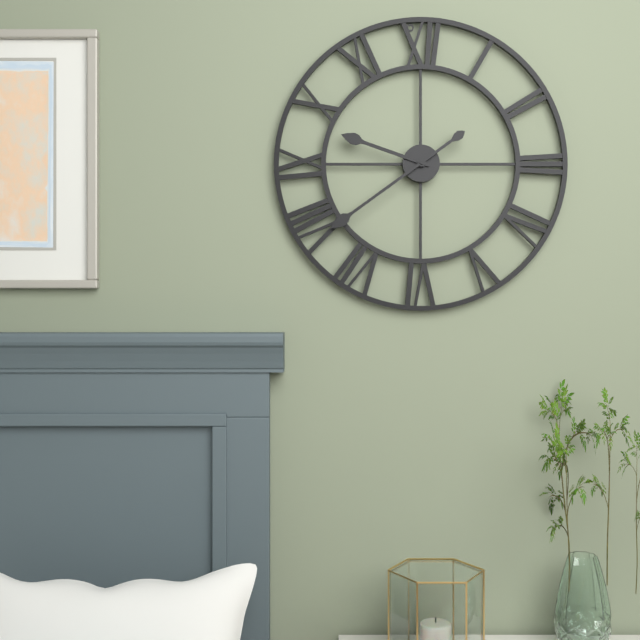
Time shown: {"hour": 9, "minute": 39}
